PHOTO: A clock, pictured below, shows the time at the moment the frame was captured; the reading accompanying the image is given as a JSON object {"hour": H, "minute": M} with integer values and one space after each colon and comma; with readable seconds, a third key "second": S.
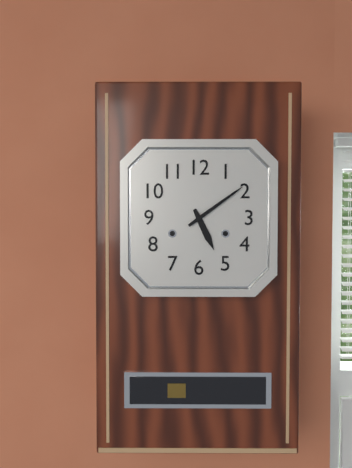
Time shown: {"hour": 5, "minute": 9}
